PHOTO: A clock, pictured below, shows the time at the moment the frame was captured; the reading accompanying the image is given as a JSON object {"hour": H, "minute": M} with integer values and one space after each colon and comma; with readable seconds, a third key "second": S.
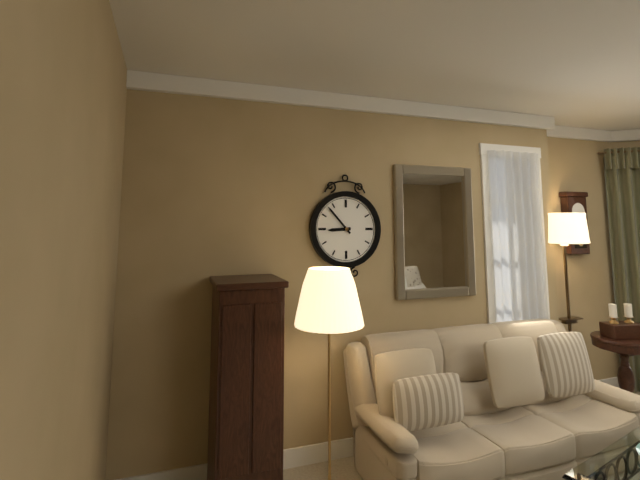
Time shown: {"hour": 8, "minute": 53}
